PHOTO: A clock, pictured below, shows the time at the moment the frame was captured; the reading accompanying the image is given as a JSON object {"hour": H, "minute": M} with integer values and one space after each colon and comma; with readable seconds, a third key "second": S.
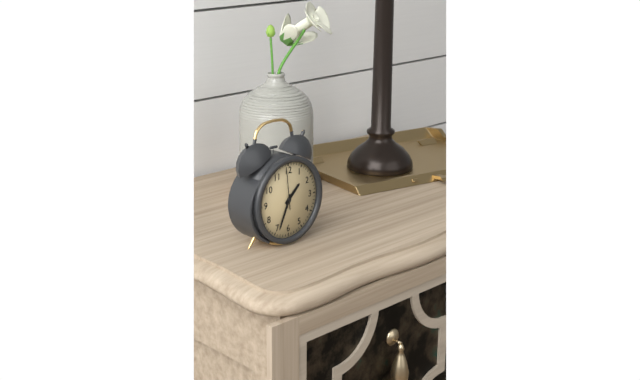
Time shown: {"hour": 1, "minute": 34}
